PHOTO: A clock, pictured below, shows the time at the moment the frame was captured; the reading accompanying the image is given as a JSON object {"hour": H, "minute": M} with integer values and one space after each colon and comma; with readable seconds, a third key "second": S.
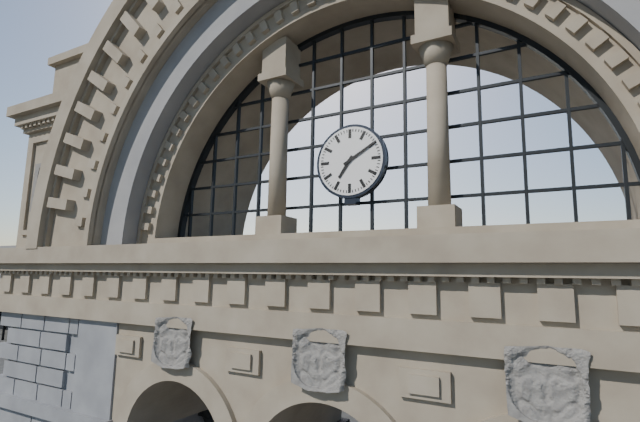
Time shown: {"hour": 7, "minute": 10}
